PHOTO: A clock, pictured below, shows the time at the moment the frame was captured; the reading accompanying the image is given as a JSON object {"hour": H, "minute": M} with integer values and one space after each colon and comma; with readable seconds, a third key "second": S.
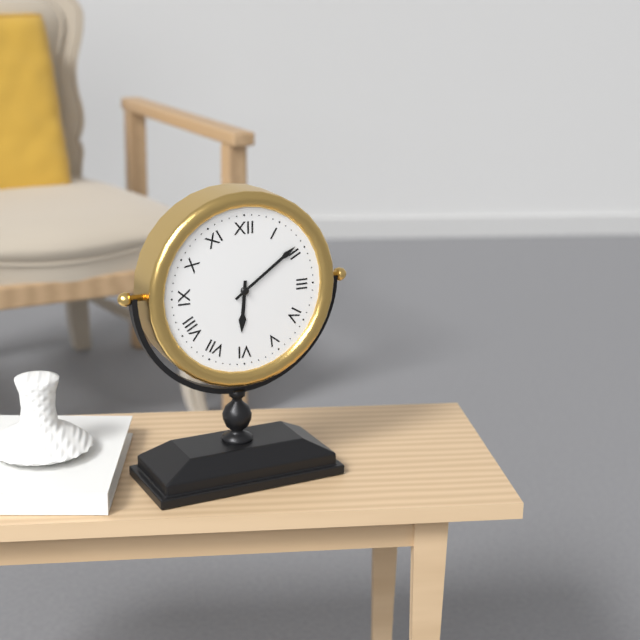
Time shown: {"hour": 6, "minute": 9}
